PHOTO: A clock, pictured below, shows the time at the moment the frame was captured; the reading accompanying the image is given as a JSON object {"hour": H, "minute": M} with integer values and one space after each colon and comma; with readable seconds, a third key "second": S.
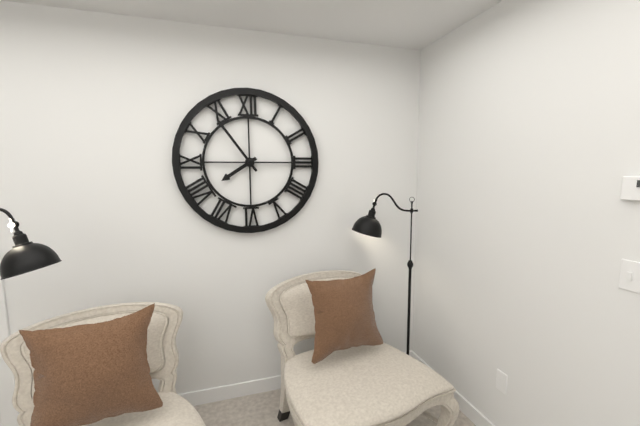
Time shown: {"hour": 7, "minute": 54}
